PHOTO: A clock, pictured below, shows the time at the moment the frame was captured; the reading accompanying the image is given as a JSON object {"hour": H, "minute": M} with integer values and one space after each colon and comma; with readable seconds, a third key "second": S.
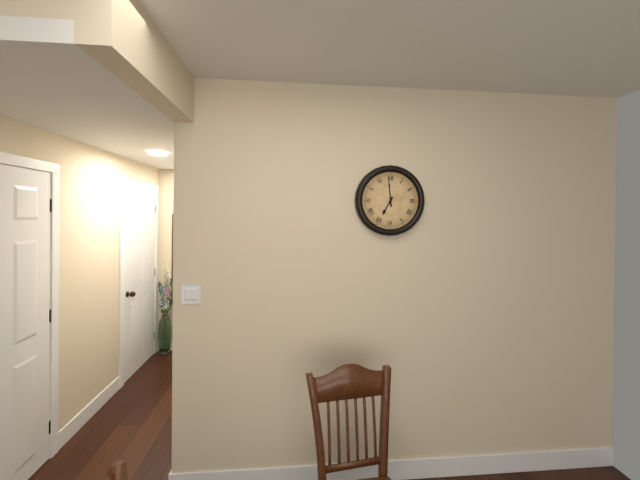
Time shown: {"hour": 6, "minute": 59}
